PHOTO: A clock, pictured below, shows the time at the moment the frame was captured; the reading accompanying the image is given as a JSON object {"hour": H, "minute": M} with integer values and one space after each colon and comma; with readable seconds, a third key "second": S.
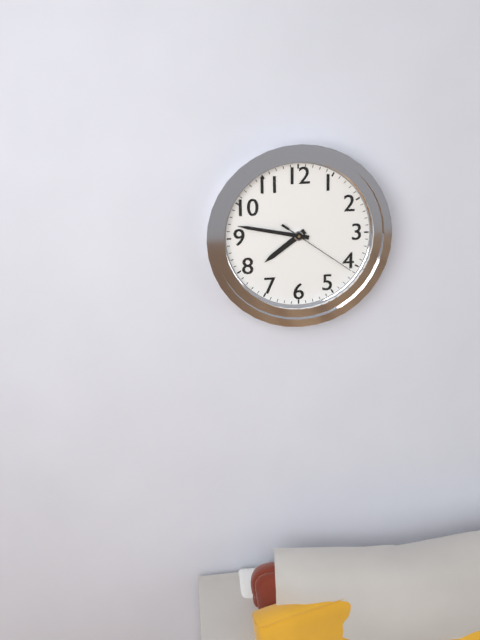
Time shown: {"hour": 7, "minute": 47, "second": 21}
